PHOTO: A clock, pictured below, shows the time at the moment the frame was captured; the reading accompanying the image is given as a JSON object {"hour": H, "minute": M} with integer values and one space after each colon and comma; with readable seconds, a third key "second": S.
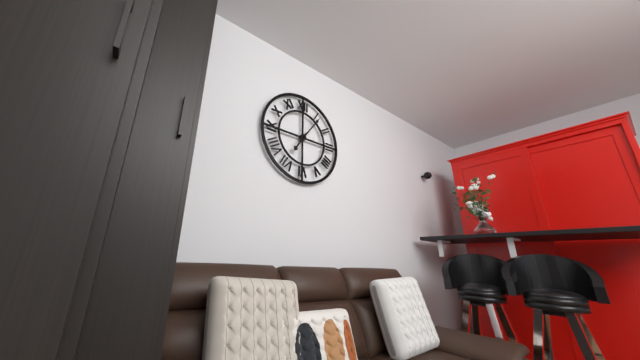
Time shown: {"hour": 7, "minute": 6}
